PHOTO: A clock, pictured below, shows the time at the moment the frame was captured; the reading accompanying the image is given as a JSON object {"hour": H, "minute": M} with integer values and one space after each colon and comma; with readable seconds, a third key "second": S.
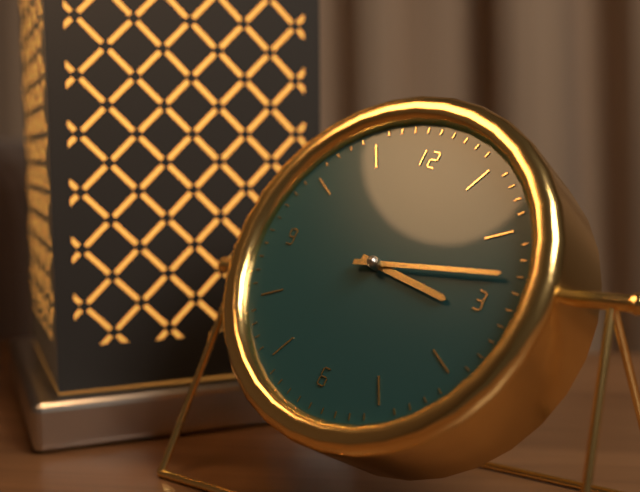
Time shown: {"hour": 3, "minute": 13}
